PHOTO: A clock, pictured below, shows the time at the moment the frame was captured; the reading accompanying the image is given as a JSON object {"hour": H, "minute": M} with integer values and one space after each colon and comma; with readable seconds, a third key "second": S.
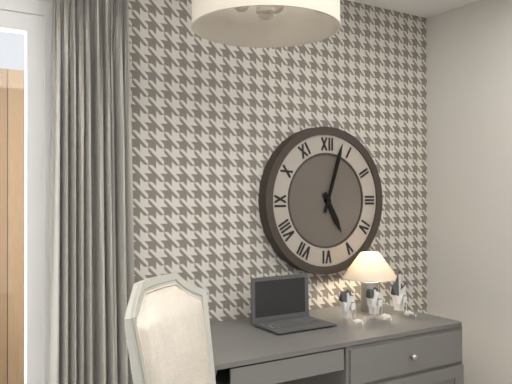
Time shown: {"hour": 5, "minute": 3}
